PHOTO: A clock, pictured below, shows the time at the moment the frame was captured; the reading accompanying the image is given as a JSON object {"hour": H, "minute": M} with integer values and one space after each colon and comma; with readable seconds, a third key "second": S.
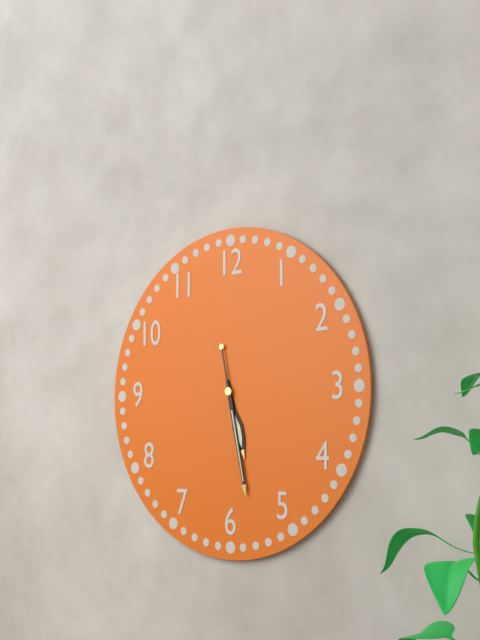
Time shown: {"hour": 5, "minute": 28}
